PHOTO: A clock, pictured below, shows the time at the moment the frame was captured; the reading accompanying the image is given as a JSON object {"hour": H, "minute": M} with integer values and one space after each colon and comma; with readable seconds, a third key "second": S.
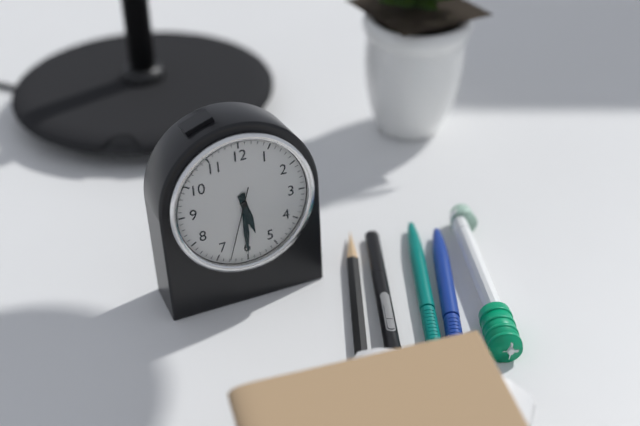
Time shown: {"hour": 5, "minute": 30, "second": 33}
